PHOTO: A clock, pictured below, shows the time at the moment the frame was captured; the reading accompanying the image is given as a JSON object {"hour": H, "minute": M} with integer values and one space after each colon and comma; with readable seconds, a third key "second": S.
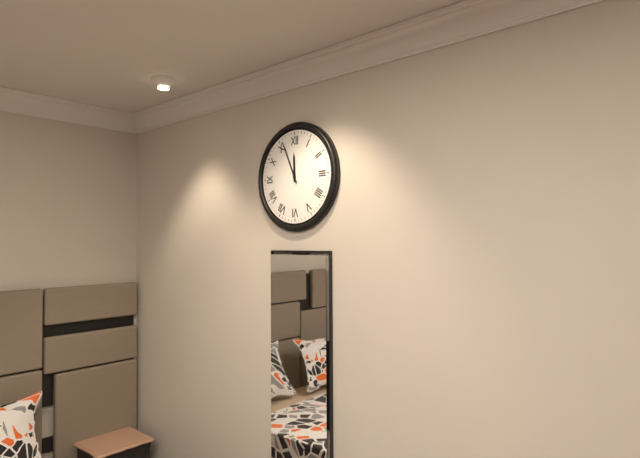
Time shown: {"hour": 11, "minute": 56}
